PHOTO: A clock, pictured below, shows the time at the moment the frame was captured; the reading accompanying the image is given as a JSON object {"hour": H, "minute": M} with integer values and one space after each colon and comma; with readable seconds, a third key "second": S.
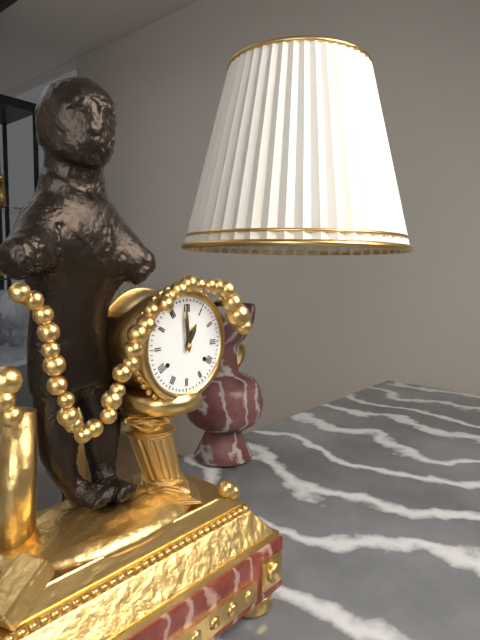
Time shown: {"hour": 12, "minute": 59}
